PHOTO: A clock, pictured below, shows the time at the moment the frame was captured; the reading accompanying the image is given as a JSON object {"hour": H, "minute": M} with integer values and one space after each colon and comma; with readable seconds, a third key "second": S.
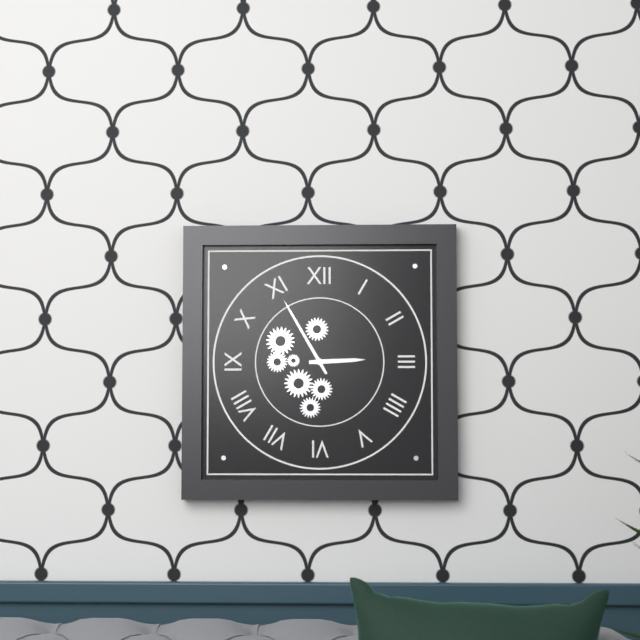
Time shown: {"hour": 2, "minute": 55}
